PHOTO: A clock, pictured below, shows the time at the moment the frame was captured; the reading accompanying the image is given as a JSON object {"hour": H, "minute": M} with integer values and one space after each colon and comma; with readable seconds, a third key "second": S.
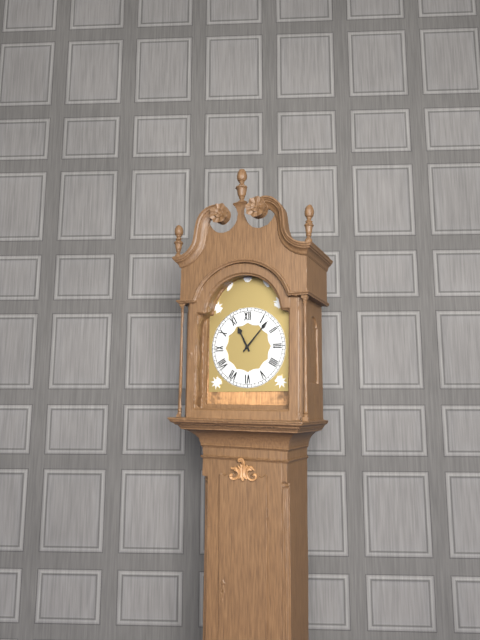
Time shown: {"hour": 11, "minute": 7}
